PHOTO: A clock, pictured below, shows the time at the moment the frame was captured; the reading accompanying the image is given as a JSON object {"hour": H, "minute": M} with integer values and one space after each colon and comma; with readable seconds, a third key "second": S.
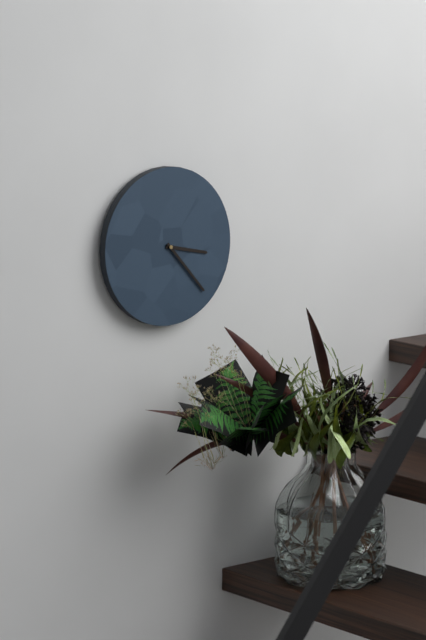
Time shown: {"hour": 3, "minute": 23}
